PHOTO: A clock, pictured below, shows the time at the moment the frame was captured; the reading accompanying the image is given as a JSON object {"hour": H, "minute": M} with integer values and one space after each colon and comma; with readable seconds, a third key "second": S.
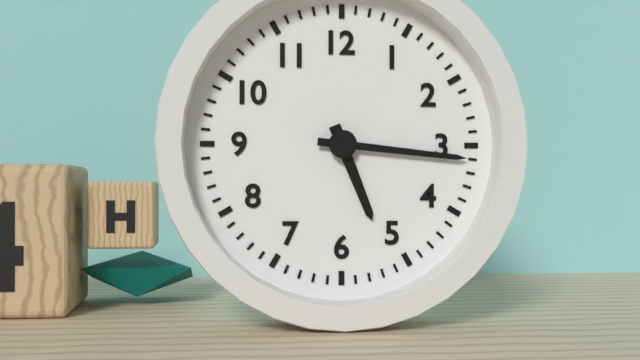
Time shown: {"hour": 5, "minute": 16}
